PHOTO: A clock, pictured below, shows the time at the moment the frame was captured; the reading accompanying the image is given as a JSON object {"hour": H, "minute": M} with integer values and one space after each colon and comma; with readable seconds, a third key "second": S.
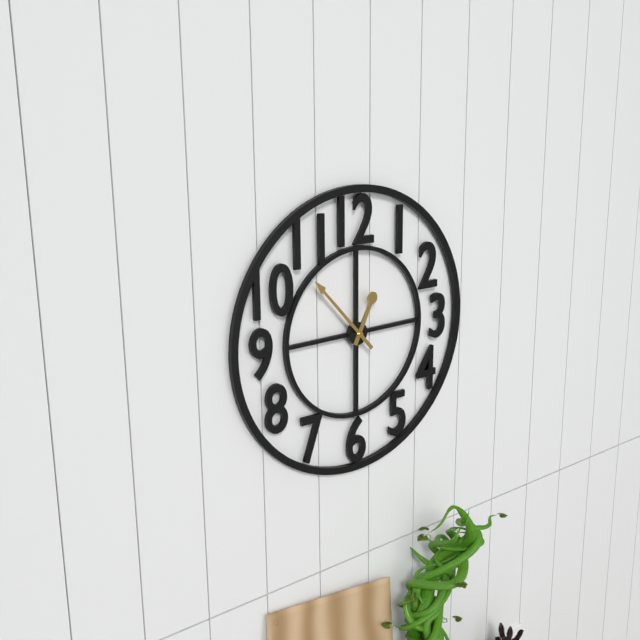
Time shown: {"hour": 12, "minute": 53}
